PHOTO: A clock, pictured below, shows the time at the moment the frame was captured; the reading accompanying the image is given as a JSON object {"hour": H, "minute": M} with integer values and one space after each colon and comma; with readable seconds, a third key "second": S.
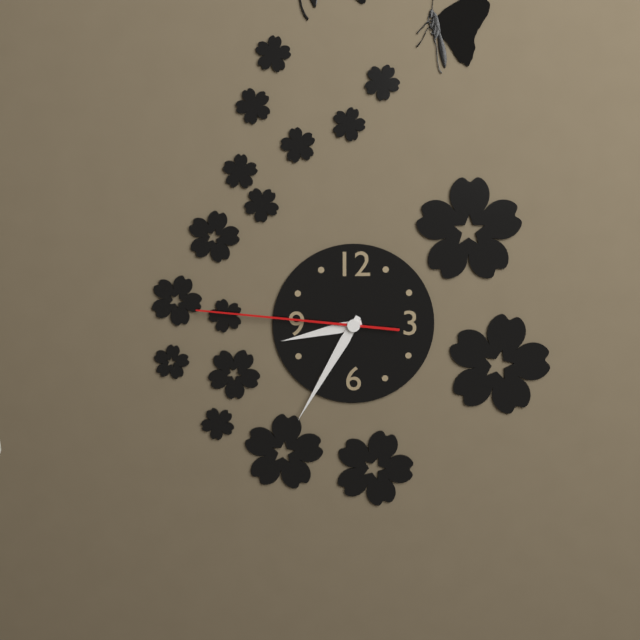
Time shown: {"hour": 8, "minute": 35, "second": 46}
